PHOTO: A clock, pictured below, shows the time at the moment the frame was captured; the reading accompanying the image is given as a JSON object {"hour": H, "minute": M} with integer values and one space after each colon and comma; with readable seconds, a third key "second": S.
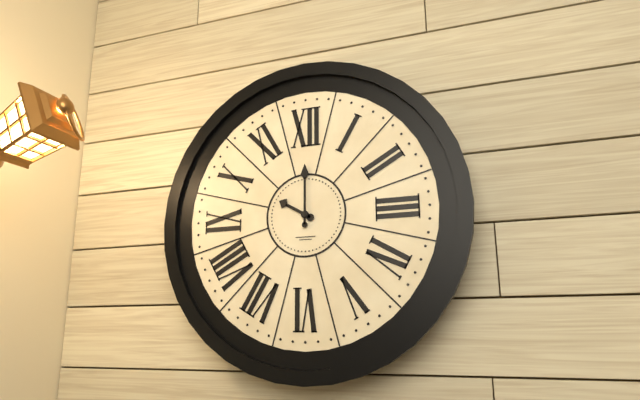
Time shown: {"hour": 10, "minute": 0}
